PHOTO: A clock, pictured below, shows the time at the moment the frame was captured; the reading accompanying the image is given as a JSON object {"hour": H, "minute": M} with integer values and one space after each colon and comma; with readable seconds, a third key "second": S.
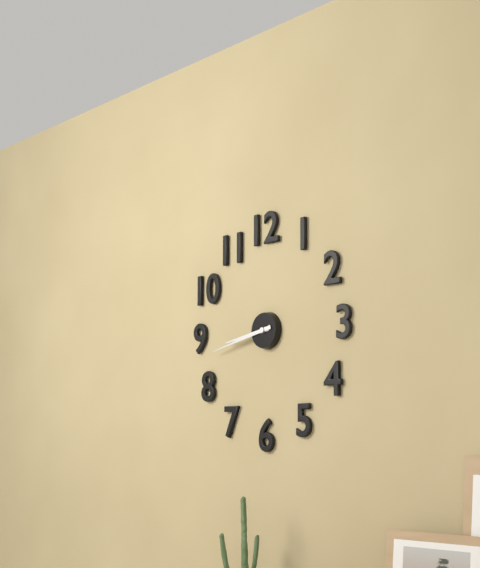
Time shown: {"hour": 8, "minute": 43}
